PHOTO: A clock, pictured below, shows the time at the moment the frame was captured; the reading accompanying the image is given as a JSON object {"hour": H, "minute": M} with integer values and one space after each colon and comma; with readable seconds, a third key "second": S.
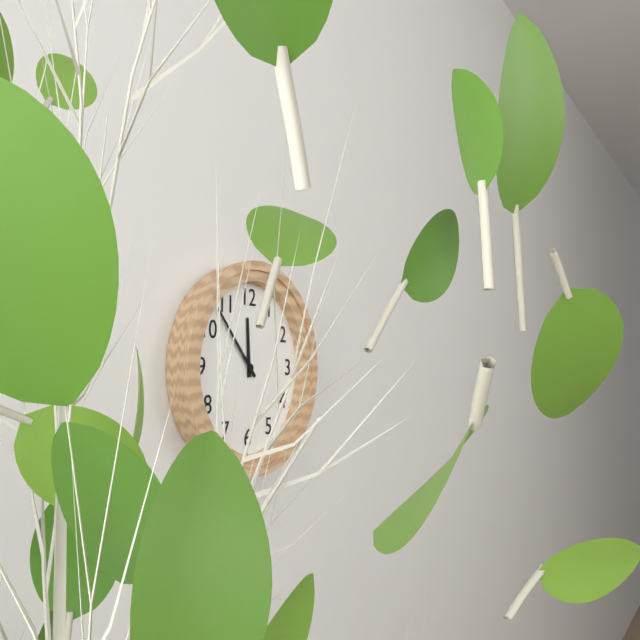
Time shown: {"hour": 11, "minute": 53}
